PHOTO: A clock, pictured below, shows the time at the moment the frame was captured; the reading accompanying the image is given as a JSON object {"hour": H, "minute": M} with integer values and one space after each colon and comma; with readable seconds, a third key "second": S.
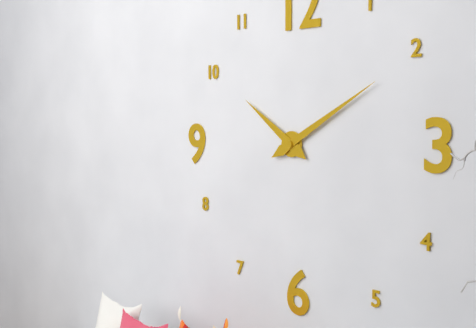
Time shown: {"hour": 10, "minute": 10}
